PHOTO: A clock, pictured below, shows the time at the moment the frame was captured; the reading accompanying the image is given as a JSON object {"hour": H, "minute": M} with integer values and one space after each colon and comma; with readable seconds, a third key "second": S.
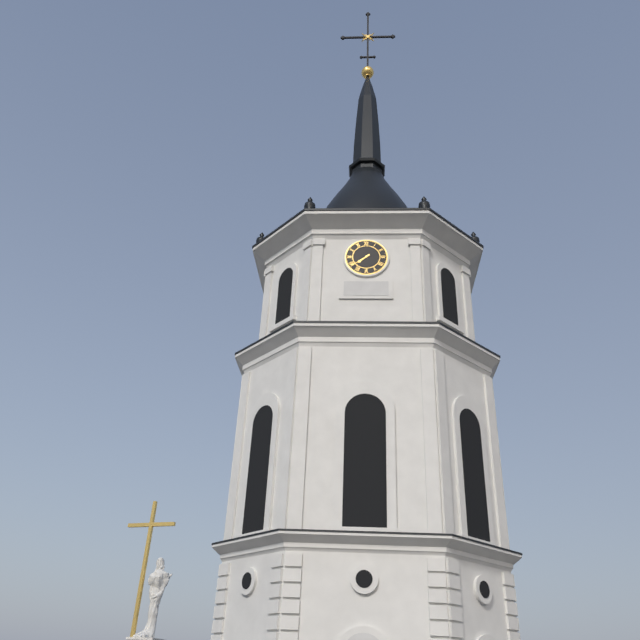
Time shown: {"hour": 7, "minute": 39}
